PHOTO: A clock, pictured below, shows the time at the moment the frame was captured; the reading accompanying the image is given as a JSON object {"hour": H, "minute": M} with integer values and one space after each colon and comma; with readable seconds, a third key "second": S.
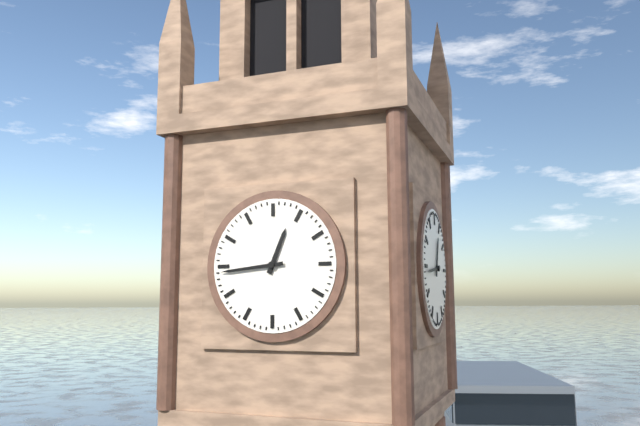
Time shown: {"hour": 12, "minute": 44}
